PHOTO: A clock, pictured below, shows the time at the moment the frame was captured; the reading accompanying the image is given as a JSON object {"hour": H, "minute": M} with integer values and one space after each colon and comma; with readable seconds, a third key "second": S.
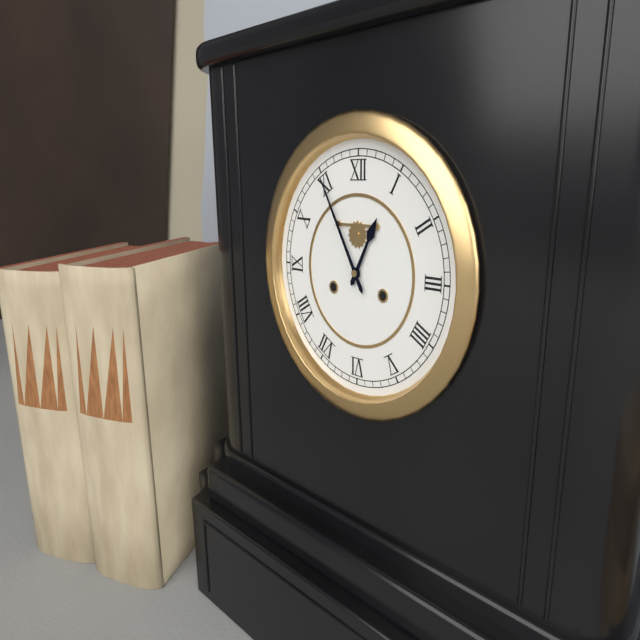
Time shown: {"hour": 12, "minute": 55}
